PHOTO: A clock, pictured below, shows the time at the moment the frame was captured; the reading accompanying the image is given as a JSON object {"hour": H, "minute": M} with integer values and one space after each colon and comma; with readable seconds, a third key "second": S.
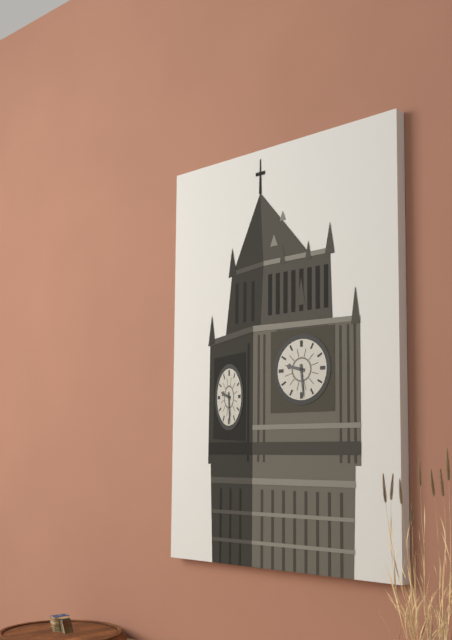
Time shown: {"hour": 9, "minute": 29}
